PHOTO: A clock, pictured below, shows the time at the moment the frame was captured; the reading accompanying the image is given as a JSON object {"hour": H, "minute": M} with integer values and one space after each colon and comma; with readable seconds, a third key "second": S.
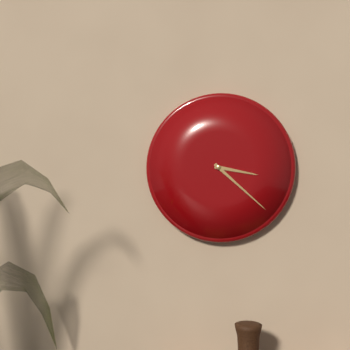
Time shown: {"hour": 3, "minute": 22}
